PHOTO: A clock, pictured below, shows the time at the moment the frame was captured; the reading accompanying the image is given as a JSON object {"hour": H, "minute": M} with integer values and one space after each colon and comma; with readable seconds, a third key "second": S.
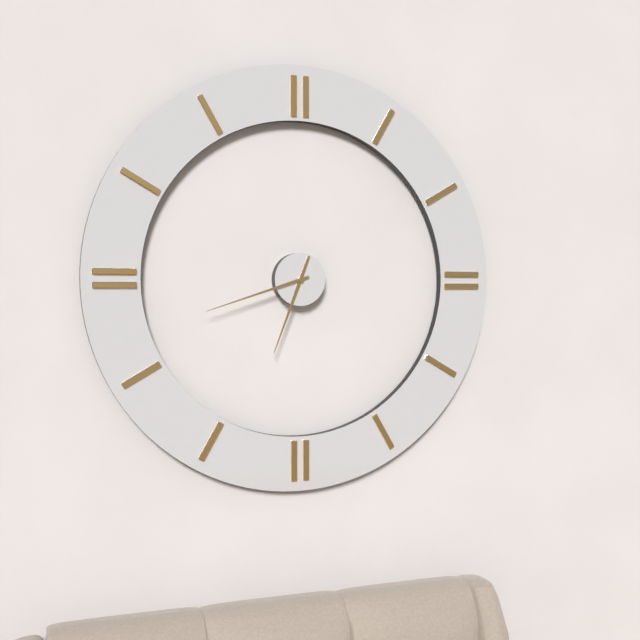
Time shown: {"hour": 6, "minute": 42}
